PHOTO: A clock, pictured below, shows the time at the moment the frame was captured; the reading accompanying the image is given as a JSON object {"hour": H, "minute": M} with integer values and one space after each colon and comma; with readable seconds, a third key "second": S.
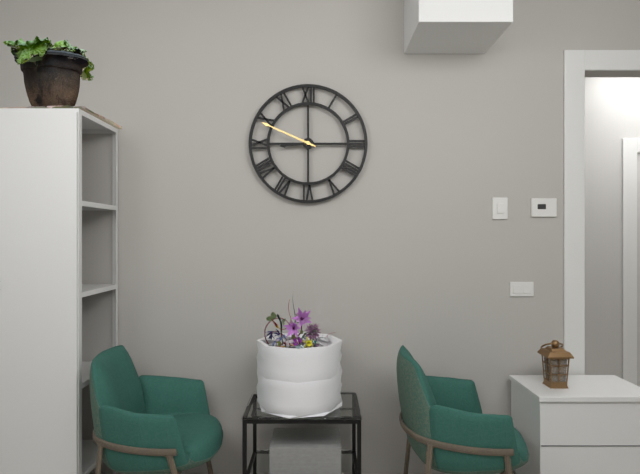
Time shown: {"hour": 8, "minute": 49}
